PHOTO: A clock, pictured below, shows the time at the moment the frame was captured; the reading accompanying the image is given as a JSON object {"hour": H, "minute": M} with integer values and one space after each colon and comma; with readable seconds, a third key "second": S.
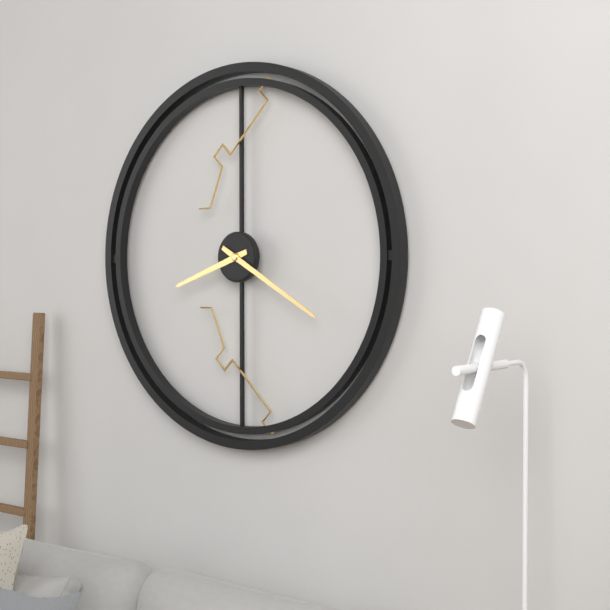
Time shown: {"hour": 8, "minute": 20}
